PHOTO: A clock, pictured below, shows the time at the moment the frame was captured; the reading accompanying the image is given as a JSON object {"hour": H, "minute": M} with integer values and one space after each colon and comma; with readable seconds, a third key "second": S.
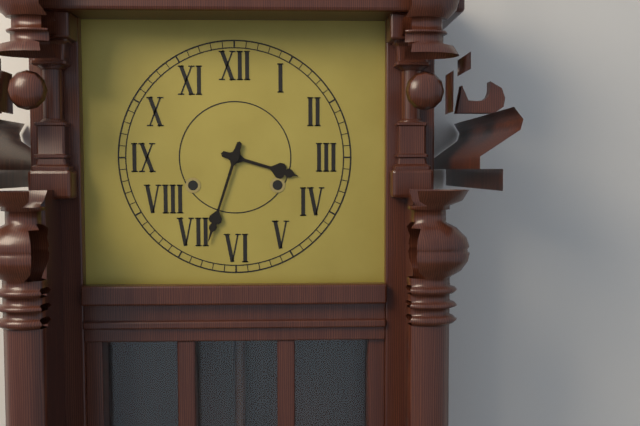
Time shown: {"hour": 3, "minute": 33}
